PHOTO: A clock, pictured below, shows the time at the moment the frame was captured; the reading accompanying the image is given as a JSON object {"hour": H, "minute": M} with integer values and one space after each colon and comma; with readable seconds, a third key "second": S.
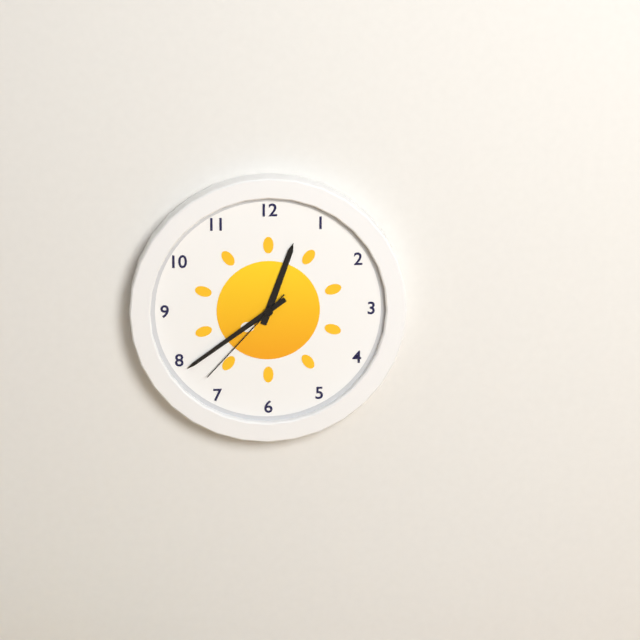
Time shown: {"hour": 12, "minute": 39, "second": 37}
